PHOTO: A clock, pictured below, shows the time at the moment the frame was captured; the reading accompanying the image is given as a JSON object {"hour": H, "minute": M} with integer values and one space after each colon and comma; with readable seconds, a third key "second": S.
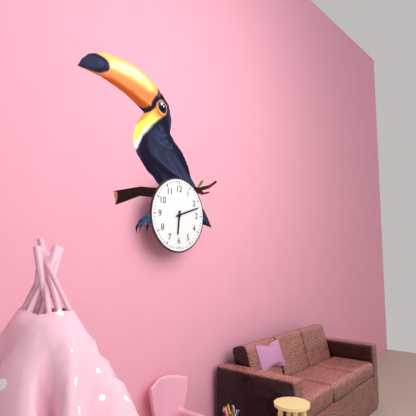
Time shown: {"hour": 6, "minute": 12}
